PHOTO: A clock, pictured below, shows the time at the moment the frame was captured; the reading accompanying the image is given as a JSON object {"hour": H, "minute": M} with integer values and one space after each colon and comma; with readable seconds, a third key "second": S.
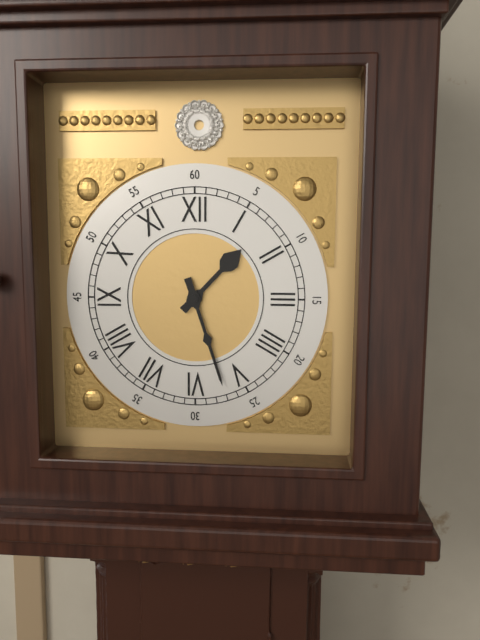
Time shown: {"hour": 1, "minute": 27}
